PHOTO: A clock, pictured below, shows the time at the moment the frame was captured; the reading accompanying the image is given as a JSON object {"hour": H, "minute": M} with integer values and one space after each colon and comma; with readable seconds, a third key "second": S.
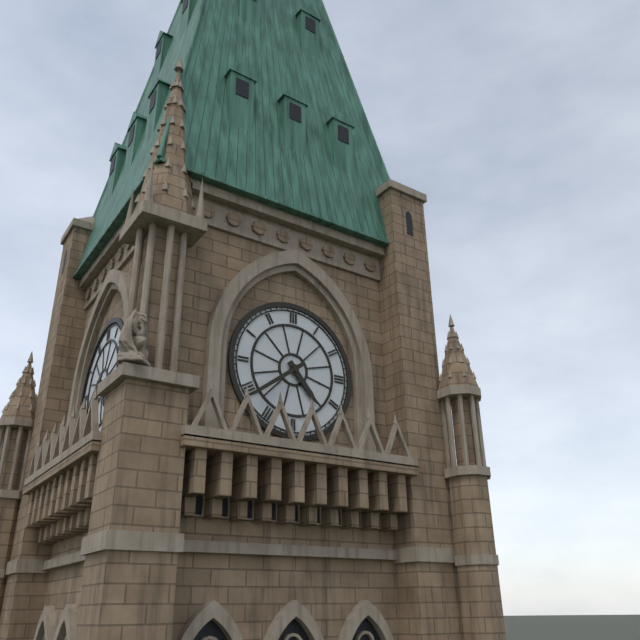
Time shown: {"hour": 4, "minute": 39}
